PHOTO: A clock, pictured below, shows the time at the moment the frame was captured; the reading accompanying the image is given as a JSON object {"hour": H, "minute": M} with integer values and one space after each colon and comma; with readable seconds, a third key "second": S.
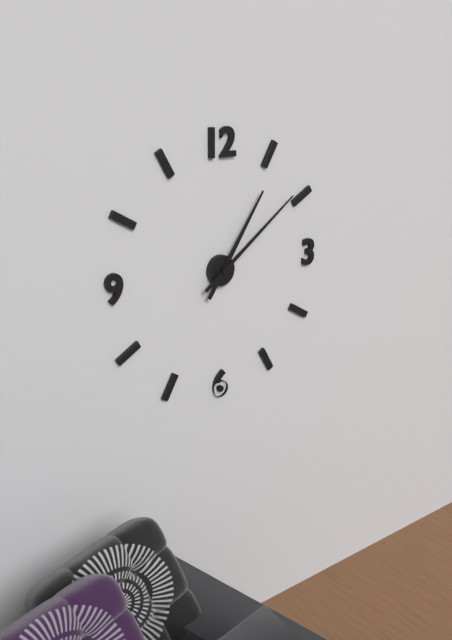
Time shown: {"hour": 1, "minute": 9}
